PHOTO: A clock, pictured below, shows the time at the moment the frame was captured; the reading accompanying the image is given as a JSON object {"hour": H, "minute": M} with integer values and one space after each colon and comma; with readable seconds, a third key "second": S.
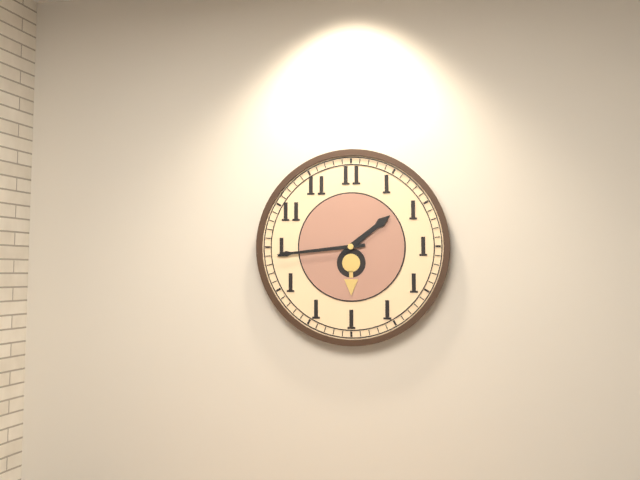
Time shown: {"hour": 1, "minute": 44}
